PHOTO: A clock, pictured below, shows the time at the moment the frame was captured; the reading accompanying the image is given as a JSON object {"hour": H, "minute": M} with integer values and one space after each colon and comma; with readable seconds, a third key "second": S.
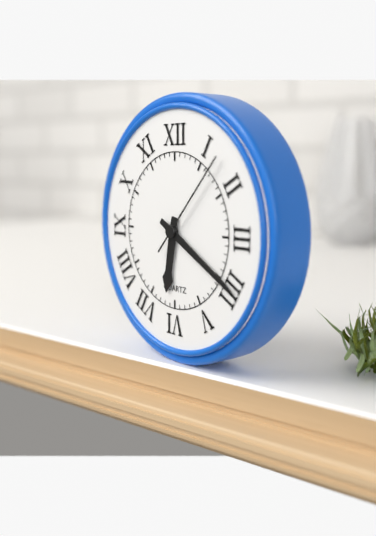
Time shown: {"hour": 6, "minute": 20, "second": 7}
